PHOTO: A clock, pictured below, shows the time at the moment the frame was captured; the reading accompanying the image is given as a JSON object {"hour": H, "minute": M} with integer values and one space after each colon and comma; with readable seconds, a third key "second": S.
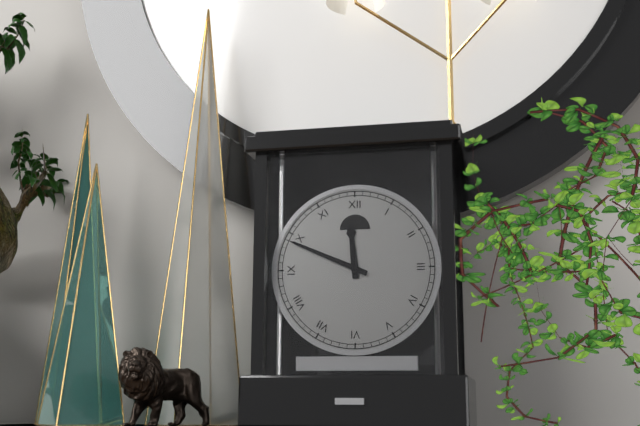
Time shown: {"hour": 11, "minute": 49}
